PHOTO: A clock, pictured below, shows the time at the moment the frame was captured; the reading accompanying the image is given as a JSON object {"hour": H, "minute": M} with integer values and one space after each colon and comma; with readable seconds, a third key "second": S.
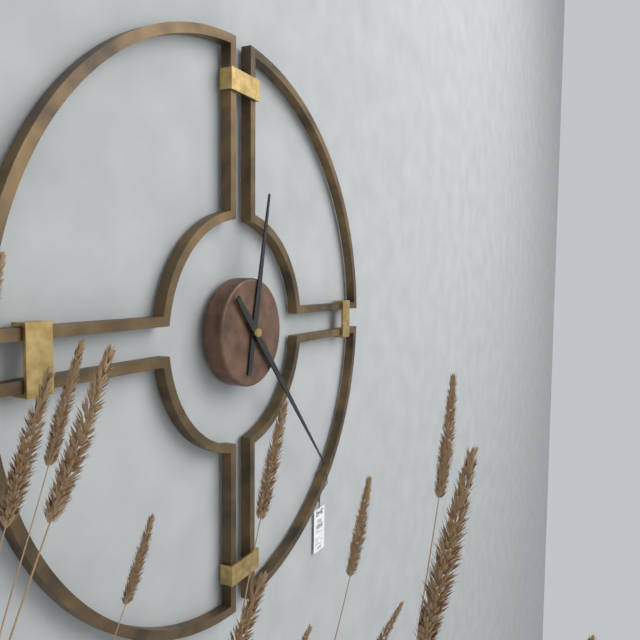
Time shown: {"hour": 12, "minute": 23}
